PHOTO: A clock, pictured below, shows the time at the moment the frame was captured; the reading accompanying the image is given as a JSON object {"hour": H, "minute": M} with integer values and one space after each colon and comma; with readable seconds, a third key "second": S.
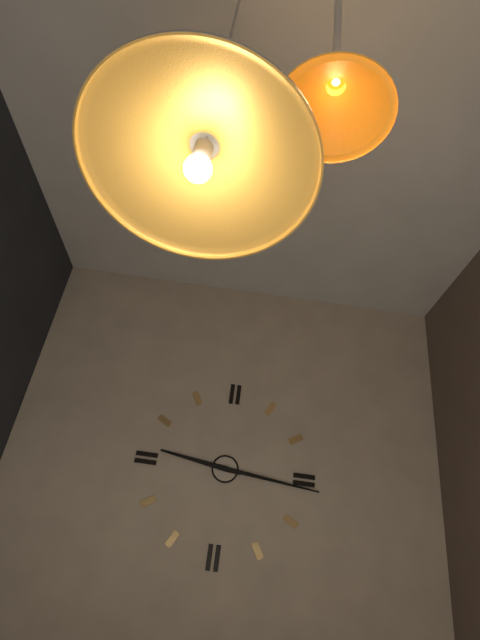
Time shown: {"hour": 9, "minute": 16}
